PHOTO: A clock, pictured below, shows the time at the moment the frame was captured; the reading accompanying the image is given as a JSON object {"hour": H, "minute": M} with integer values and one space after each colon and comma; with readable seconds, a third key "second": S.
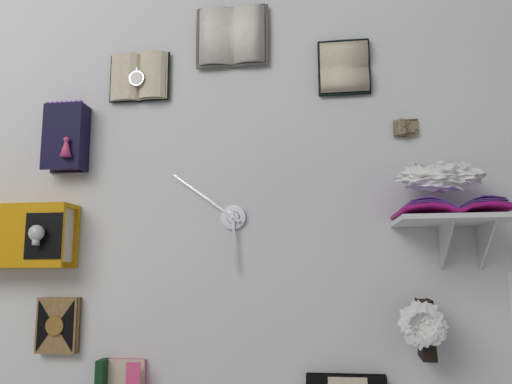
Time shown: {"hour": 5, "minute": 51}
